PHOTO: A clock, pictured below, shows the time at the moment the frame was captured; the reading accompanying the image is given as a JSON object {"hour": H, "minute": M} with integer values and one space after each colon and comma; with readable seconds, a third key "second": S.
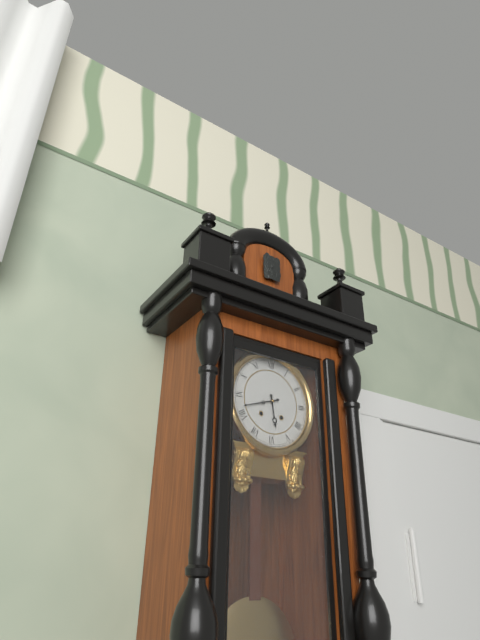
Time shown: {"hour": 5, "minute": 42}
